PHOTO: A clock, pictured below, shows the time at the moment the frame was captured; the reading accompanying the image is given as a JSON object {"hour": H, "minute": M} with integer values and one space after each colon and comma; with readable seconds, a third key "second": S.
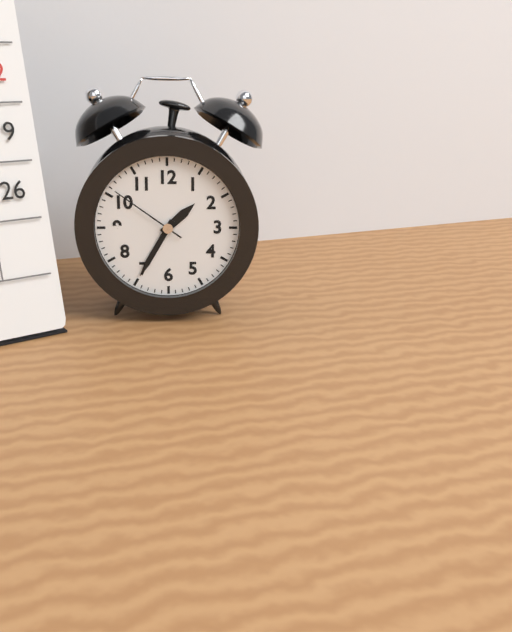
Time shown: {"hour": 1, "minute": 35, "second": 51}
